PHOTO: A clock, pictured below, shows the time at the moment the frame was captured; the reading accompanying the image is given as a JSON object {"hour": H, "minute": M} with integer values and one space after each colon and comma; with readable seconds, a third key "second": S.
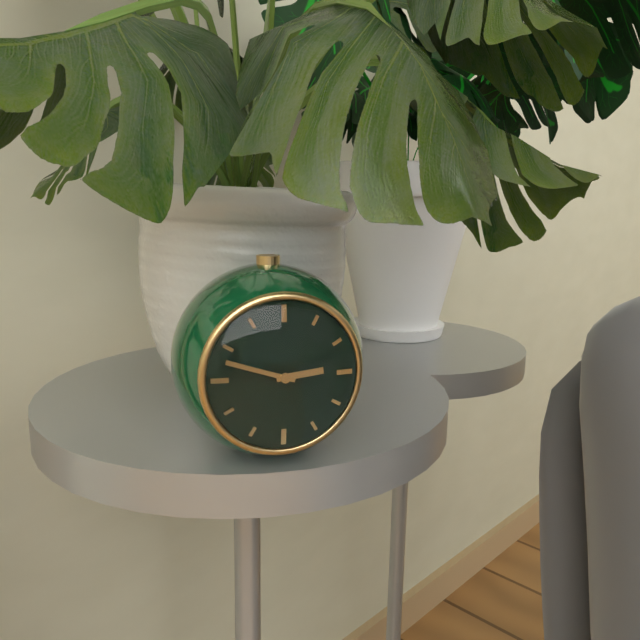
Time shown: {"hour": 2, "minute": 48}
